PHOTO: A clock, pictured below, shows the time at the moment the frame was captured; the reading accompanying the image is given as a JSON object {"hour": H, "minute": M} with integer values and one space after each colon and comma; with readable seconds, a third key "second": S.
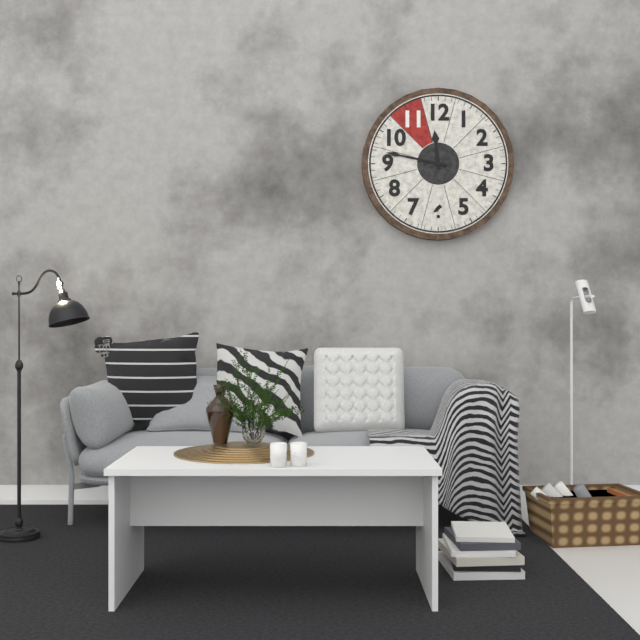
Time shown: {"hour": 11, "minute": 47}
